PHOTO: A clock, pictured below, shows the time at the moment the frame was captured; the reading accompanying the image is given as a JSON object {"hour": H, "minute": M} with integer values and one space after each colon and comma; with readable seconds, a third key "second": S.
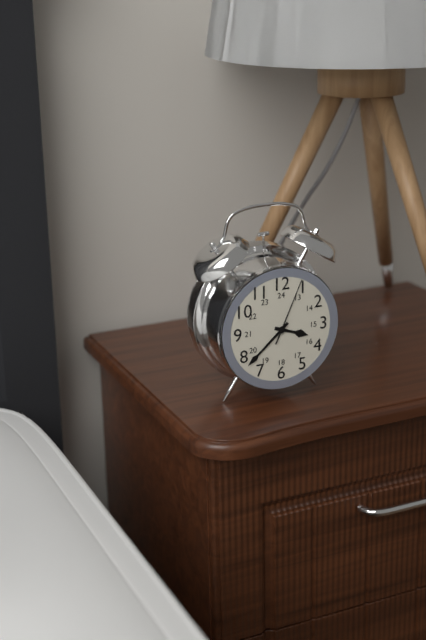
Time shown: {"hour": 3, "minute": 38, "second": 4}
